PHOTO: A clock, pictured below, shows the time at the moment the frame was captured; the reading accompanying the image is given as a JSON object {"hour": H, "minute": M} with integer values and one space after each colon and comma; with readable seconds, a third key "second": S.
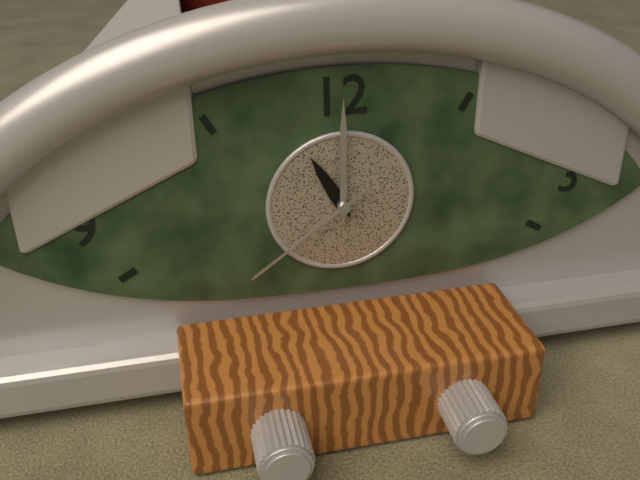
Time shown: {"hour": 11, "minute": 0, "second": 39}
